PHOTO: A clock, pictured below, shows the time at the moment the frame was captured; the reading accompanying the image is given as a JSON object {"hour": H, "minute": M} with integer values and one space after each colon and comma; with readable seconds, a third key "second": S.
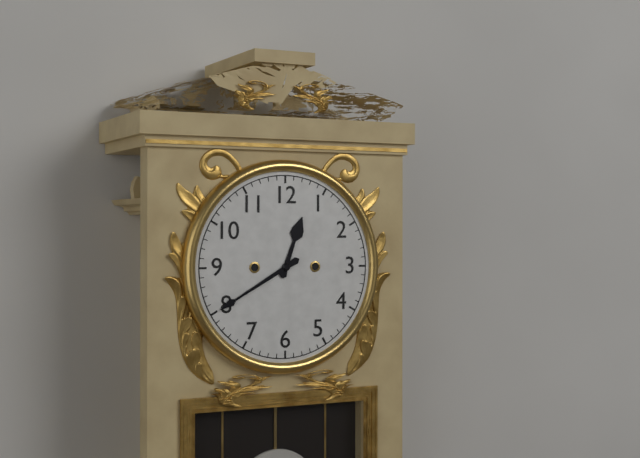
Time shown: {"hour": 12, "minute": 40}
